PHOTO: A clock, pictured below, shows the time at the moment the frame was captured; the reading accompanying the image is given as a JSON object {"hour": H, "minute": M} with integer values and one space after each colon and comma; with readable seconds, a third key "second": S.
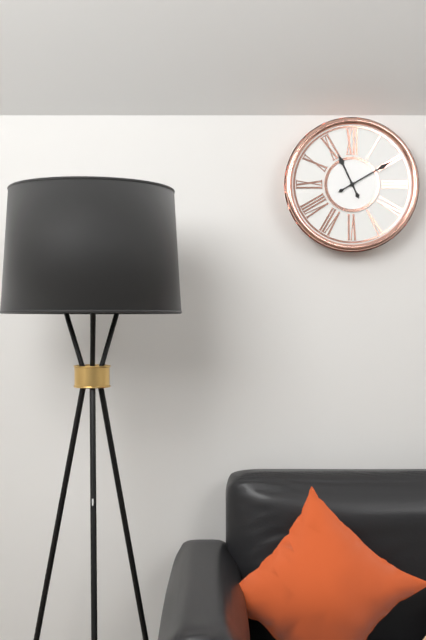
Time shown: {"hour": 11, "minute": 10}
